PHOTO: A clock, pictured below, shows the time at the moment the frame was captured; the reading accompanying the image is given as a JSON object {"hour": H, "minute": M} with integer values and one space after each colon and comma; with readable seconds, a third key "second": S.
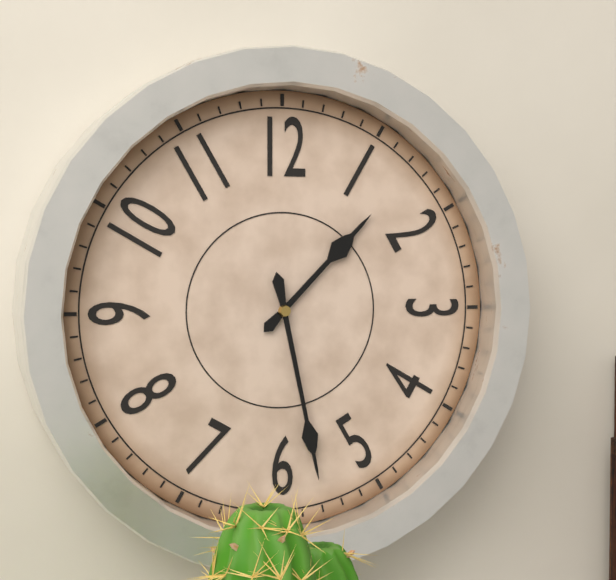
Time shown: {"hour": 1, "minute": 28}
